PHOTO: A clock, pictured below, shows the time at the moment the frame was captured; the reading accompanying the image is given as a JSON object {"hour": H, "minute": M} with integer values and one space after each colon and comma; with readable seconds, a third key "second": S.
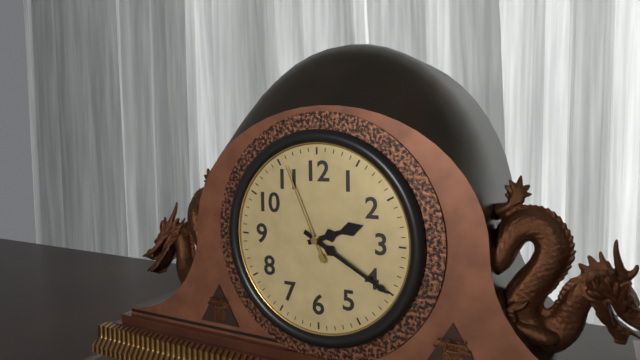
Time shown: {"hour": 2, "minute": 20, "second": 56}
